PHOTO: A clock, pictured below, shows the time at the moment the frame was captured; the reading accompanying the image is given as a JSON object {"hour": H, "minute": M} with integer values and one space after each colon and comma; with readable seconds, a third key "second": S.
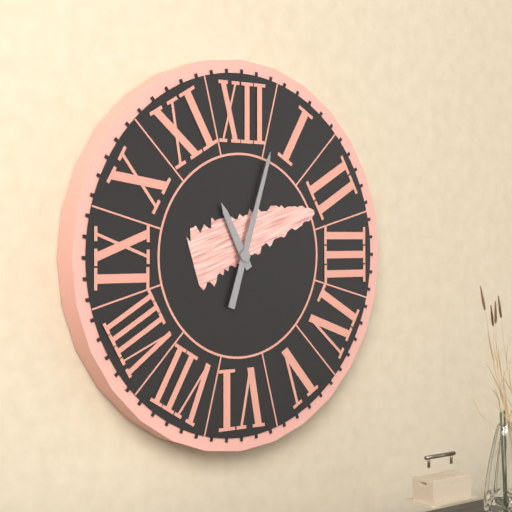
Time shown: {"hour": 11, "minute": 3}
